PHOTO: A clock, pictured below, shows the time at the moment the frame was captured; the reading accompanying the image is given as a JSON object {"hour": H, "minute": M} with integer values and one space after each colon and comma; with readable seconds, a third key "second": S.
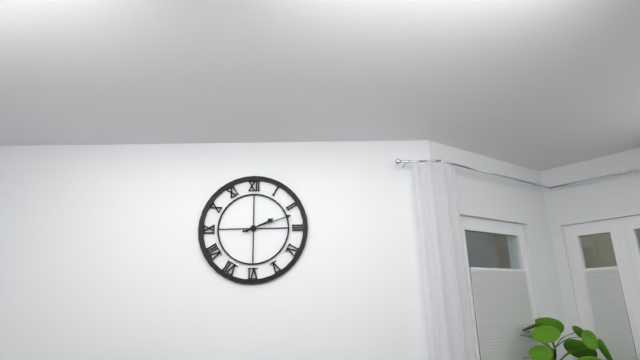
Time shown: {"hour": 2, "minute": 12}
